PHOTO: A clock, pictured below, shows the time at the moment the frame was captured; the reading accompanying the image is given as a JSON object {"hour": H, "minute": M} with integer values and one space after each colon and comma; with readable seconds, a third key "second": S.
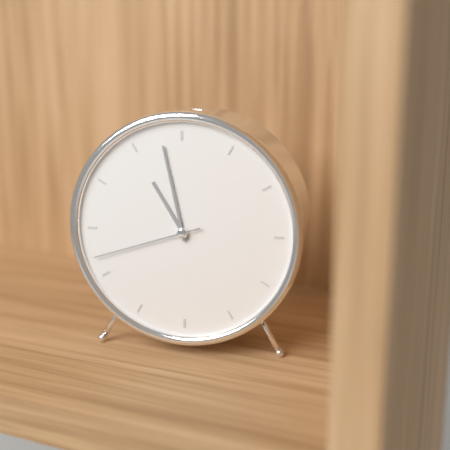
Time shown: {"hour": 10, "minute": 58, "second": 42}
